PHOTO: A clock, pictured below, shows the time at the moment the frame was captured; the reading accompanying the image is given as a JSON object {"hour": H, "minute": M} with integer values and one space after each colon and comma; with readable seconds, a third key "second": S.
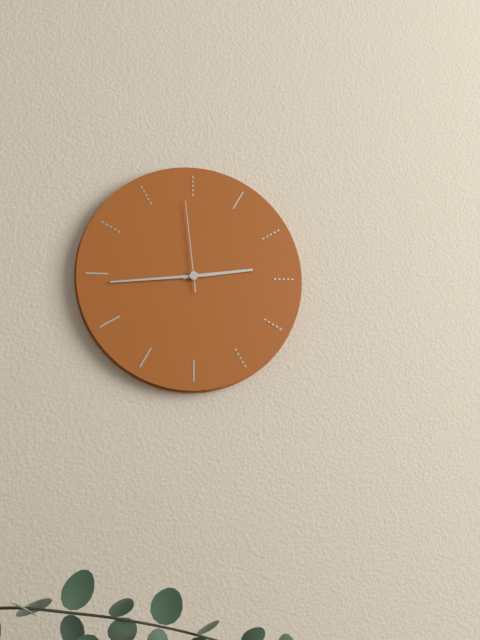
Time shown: {"hour": 2, "minute": 44, "second": 59}
